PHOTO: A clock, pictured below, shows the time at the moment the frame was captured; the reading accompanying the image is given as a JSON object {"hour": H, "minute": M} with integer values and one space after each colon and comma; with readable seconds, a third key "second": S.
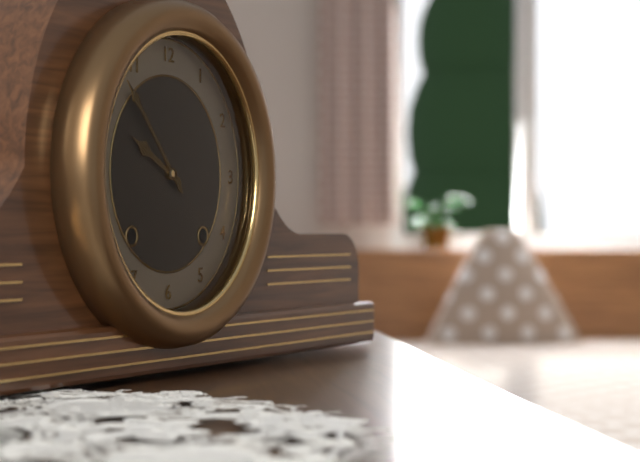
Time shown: {"hour": 9, "minute": 53}
